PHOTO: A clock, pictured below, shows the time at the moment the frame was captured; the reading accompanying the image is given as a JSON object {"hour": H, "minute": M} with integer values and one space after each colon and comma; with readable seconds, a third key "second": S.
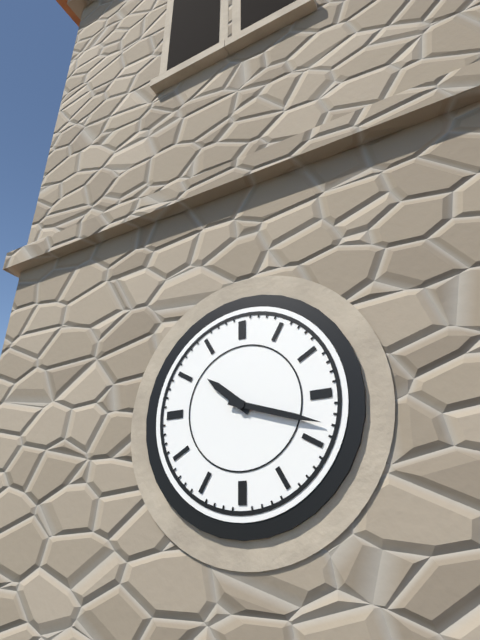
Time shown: {"hour": 10, "minute": 18}
